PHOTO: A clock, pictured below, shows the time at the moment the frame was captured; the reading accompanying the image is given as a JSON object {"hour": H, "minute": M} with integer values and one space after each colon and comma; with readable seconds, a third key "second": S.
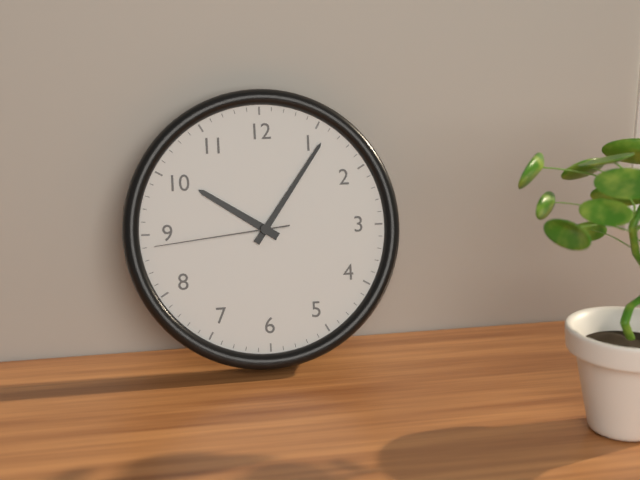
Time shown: {"hour": 10, "minute": 6, "second": 44}
